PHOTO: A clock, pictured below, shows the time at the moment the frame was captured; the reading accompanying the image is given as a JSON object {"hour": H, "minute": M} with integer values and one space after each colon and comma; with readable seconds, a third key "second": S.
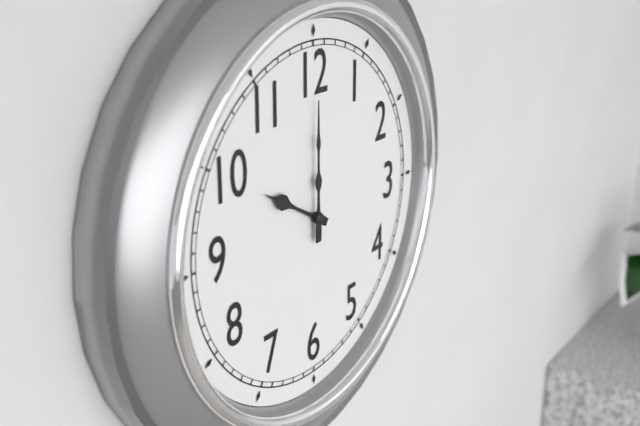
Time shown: {"hour": 10, "minute": 0}
